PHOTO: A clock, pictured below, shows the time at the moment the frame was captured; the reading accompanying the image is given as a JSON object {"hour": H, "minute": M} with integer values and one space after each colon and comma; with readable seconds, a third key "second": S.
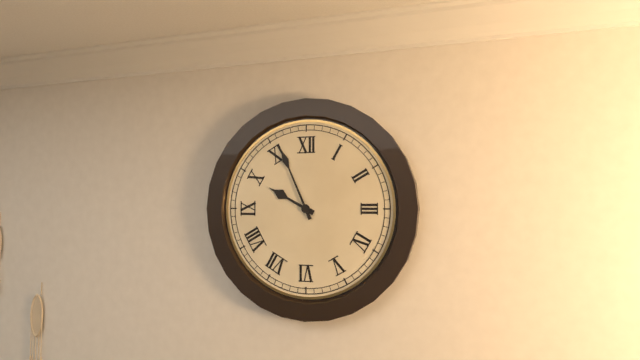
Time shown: {"hour": 9, "minute": 56}
